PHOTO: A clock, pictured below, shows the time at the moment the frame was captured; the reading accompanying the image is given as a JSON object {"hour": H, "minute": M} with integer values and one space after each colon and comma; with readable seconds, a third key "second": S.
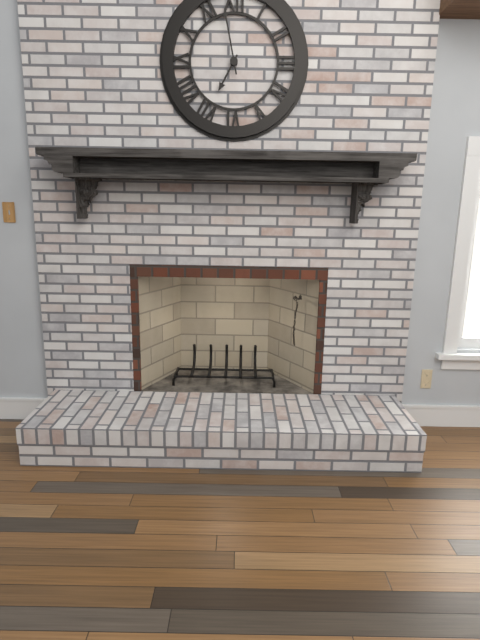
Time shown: {"hour": 6, "minute": 58}
